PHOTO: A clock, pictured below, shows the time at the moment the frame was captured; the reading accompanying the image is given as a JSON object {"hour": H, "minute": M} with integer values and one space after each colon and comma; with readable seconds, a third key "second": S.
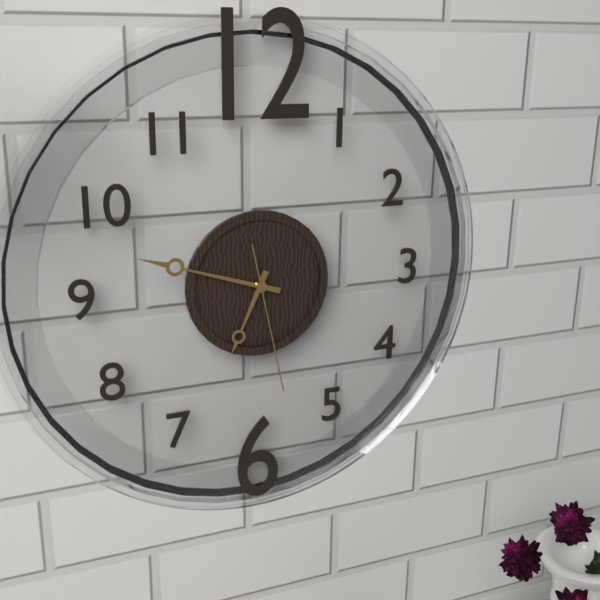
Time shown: {"hour": 6, "minute": 48, "second": 28}
